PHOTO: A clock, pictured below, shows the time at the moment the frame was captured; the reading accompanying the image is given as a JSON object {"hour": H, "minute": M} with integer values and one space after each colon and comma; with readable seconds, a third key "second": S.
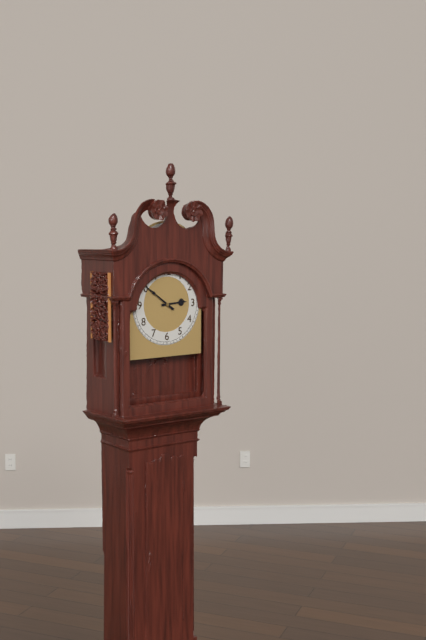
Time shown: {"hour": 2, "minute": 51}
